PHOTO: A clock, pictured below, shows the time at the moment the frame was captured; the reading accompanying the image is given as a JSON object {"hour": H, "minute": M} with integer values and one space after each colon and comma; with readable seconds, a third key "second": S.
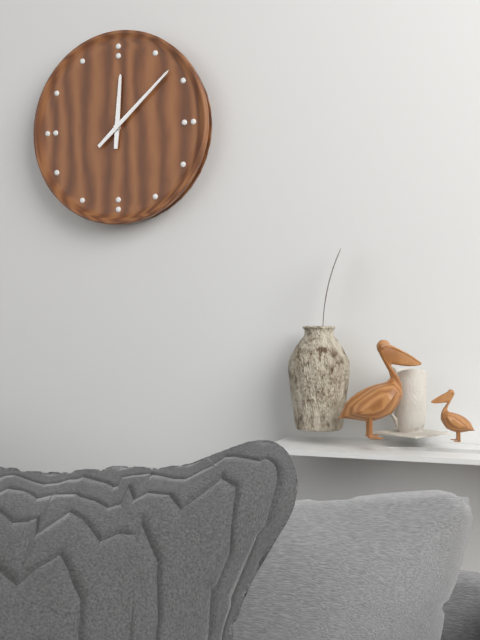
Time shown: {"hour": 12, "minute": 8}
